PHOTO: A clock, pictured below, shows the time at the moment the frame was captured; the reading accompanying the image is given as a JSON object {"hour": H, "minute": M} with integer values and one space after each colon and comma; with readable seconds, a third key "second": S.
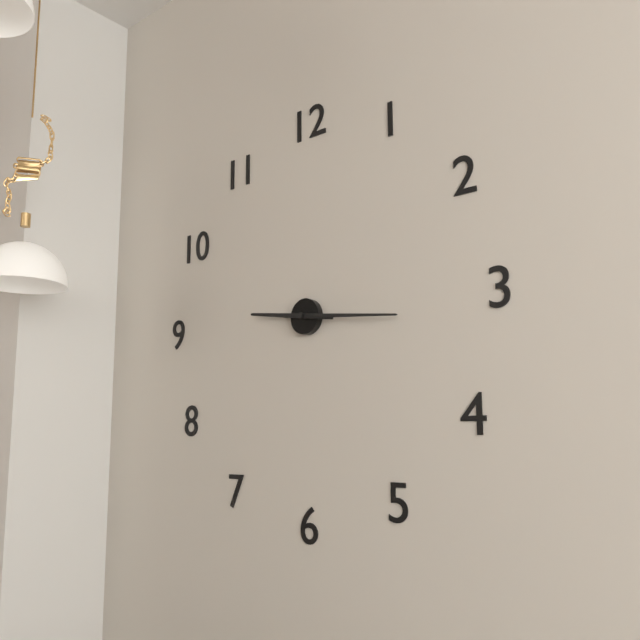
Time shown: {"hour": 9, "minute": 16}
